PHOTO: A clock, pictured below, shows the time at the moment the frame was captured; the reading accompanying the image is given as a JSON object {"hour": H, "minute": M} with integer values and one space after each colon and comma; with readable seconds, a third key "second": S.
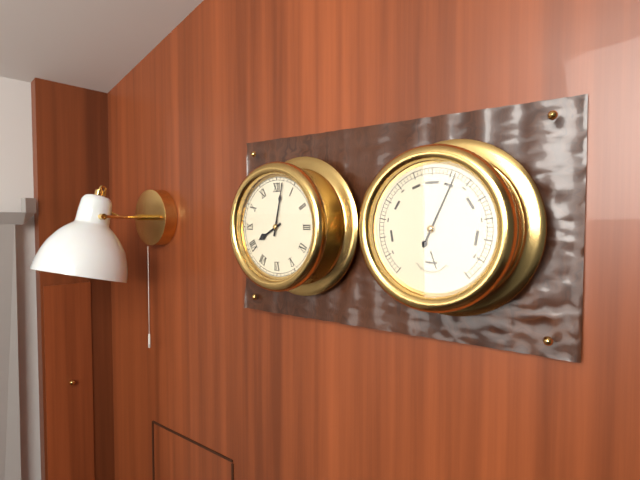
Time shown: {"hour": 8, "minute": 2}
